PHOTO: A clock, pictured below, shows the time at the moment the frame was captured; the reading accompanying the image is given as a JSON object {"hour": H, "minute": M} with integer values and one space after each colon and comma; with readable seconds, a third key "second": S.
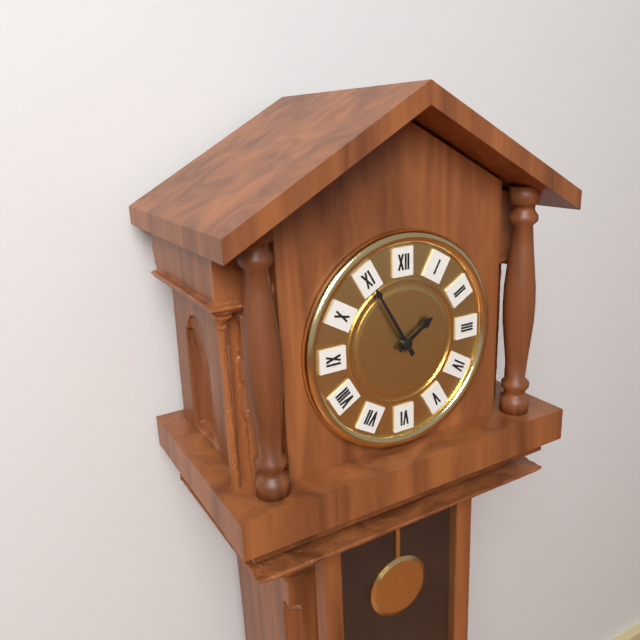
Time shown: {"hour": 1, "minute": 55}
